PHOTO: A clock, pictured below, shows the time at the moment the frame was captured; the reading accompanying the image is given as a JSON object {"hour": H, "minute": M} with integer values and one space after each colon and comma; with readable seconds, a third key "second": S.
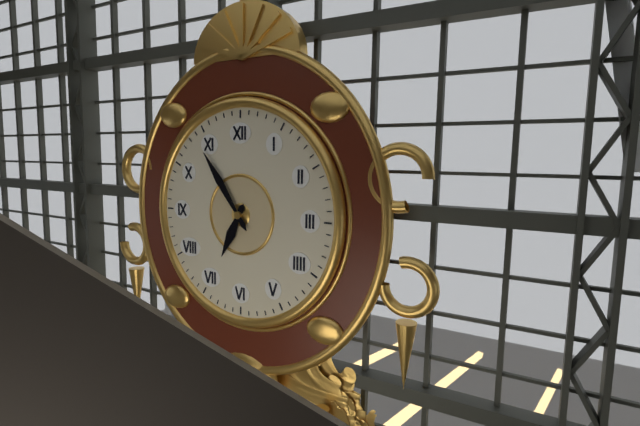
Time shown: {"hour": 6, "minute": 54}
